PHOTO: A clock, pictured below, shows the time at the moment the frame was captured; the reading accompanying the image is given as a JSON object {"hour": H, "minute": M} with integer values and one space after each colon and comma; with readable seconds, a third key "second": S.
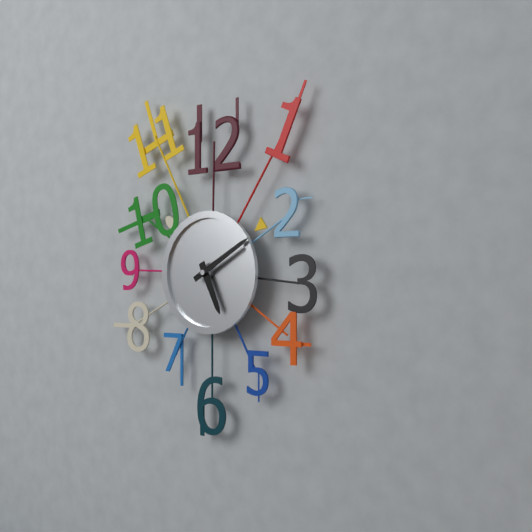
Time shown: {"hour": 5, "minute": 10}
